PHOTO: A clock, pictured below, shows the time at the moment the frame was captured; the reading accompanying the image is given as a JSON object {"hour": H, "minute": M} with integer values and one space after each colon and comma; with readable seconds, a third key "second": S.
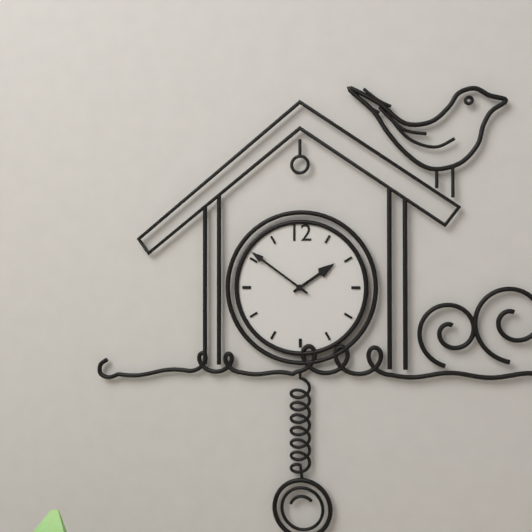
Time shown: {"hour": 1, "minute": 51}
